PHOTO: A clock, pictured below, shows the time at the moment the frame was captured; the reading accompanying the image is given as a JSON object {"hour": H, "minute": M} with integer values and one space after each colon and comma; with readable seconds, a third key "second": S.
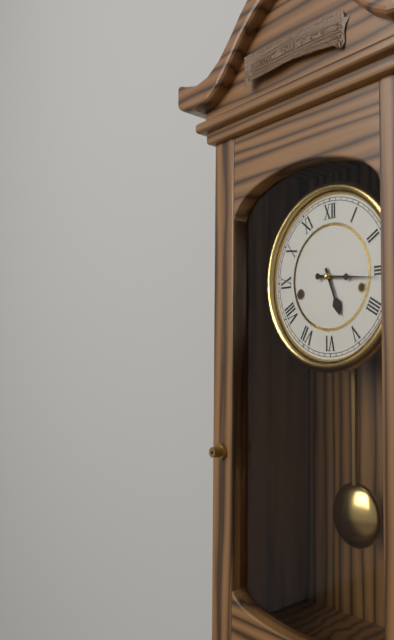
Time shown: {"hour": 5, "minute": 16}
